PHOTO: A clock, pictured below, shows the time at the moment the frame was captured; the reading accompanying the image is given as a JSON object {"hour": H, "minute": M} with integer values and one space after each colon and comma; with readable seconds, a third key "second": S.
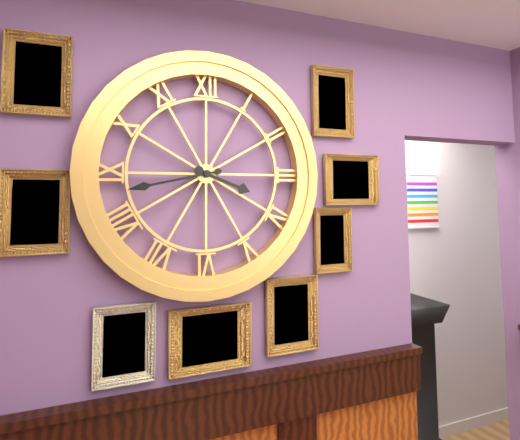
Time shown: {"hour": 3, "minute": 43}
